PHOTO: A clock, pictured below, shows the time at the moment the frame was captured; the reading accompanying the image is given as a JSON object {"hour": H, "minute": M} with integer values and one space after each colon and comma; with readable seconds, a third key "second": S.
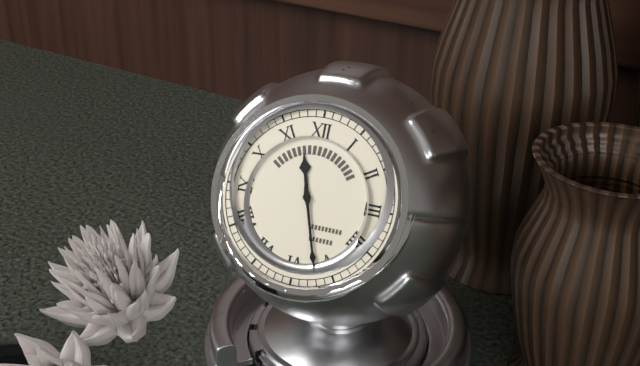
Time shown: {"hour": 11, "minute": 27}
